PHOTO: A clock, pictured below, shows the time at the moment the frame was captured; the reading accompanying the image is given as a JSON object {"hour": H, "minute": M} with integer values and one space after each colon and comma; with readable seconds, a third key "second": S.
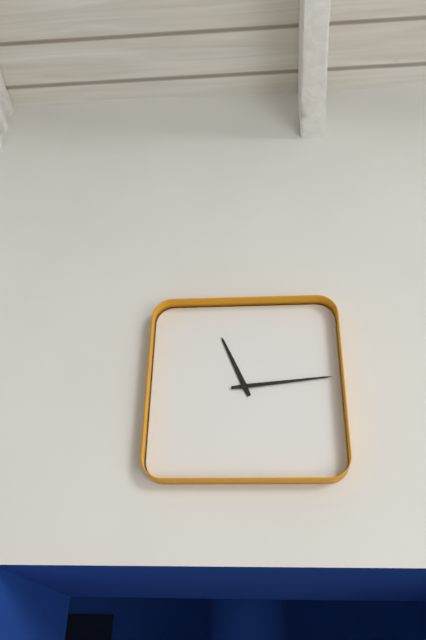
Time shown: {"hour": 11, "minute": 14}
